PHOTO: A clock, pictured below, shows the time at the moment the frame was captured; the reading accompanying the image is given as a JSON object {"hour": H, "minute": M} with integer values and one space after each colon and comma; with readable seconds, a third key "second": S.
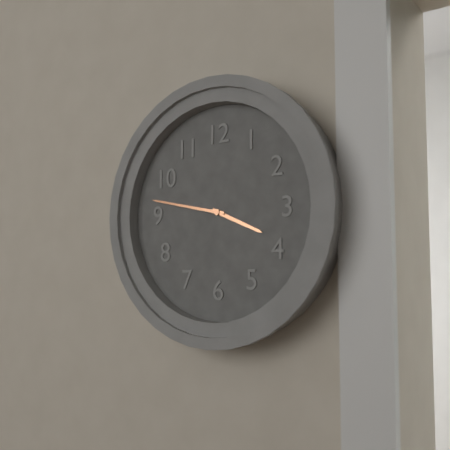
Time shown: {"hour": 3, "minute": 47}
